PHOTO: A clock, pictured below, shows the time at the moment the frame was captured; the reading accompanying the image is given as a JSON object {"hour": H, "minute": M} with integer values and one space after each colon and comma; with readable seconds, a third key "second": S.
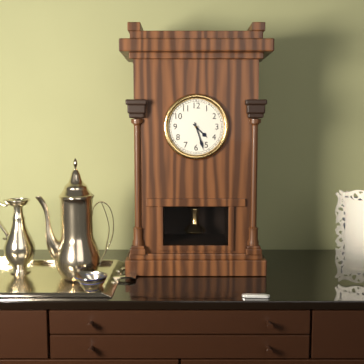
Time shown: {"hour": 4, "minute": 27}
